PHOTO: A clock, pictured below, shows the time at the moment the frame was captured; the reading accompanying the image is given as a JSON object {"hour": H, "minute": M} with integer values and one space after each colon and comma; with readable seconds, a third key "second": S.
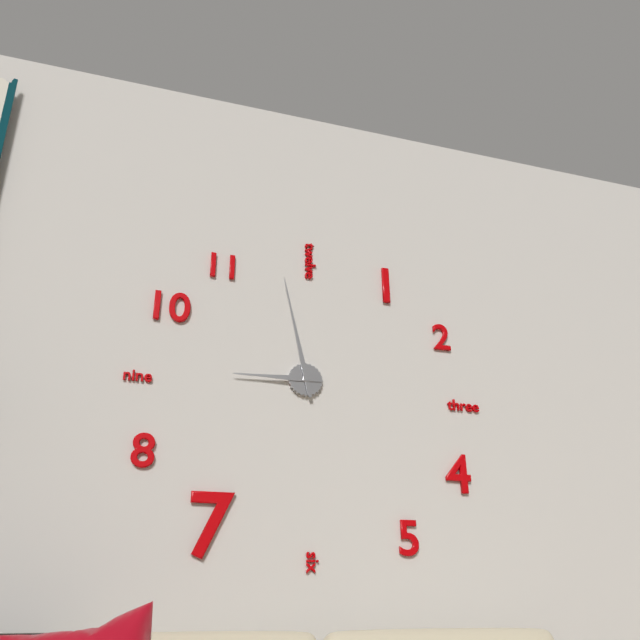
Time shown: {"hour": 8, "minute": 58}
